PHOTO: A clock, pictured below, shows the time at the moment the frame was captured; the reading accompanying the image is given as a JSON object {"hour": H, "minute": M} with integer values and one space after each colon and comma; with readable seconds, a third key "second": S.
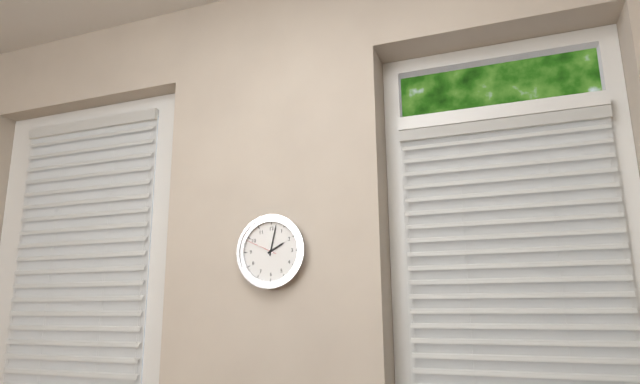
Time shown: {"hour": 2, "minute": 2}
